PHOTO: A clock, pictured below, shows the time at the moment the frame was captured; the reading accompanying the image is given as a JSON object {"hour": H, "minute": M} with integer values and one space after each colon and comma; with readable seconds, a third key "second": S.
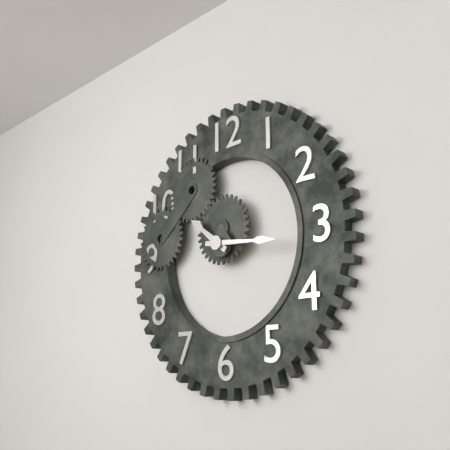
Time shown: {"hour": 10, "minute": 16}
